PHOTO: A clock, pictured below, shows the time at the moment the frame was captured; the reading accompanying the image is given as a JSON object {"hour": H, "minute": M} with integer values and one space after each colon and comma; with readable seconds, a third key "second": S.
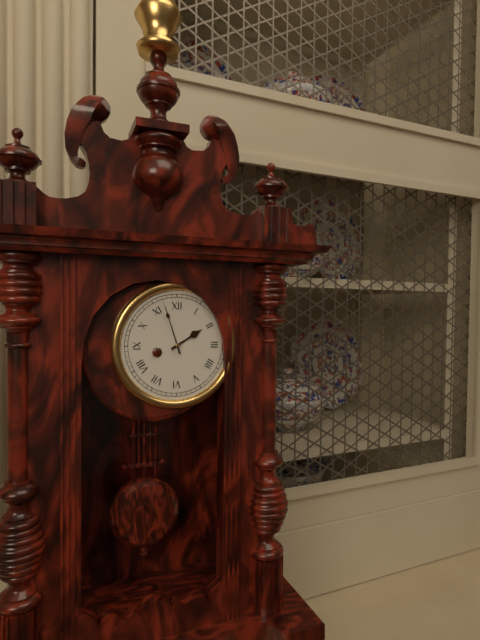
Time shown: {"hour": 1, "minute": 57}
